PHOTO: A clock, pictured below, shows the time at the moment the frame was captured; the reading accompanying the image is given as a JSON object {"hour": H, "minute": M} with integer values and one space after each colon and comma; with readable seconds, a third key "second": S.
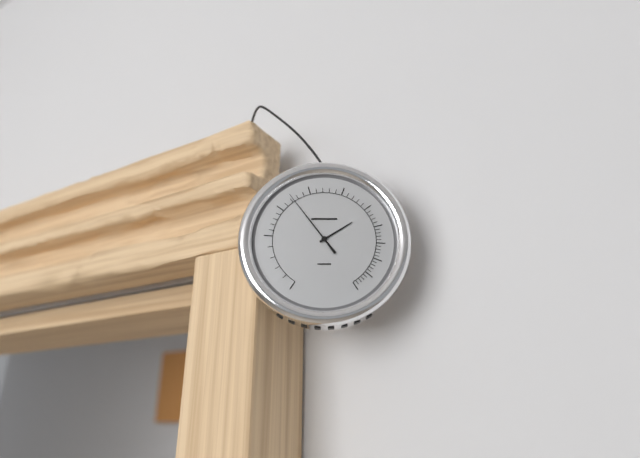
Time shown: {"hour": 1, "minute": 54}
